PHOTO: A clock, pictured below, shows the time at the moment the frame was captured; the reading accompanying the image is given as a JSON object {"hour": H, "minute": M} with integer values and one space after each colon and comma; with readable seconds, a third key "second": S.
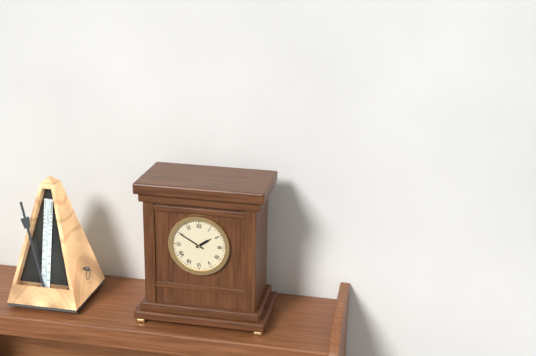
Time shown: {"hour": 1, "minute": 50}
